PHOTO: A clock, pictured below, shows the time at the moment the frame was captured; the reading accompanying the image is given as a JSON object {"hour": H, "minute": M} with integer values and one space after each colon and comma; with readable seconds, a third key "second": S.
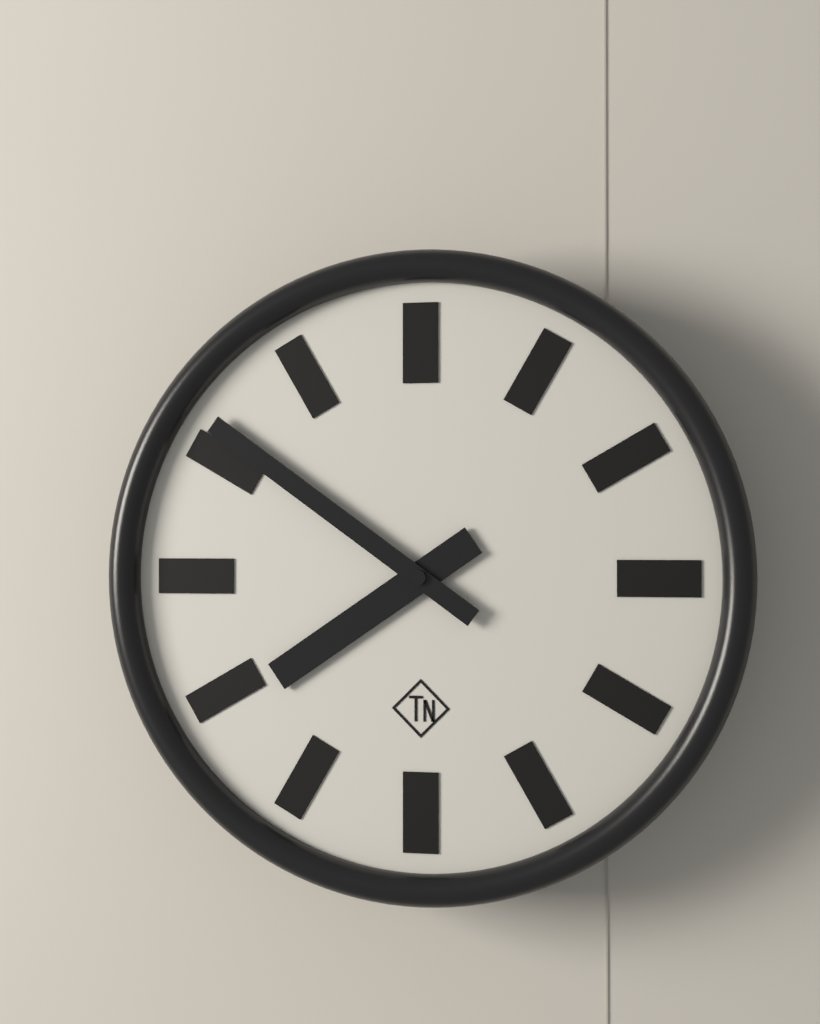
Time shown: {"hour": 7, "minute": 51}
